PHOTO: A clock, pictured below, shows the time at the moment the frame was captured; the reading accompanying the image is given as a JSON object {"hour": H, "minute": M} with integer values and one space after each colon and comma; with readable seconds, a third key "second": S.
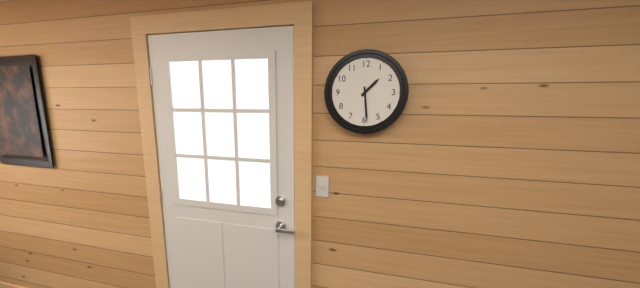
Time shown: {"hour": 1, "minute": 29}
